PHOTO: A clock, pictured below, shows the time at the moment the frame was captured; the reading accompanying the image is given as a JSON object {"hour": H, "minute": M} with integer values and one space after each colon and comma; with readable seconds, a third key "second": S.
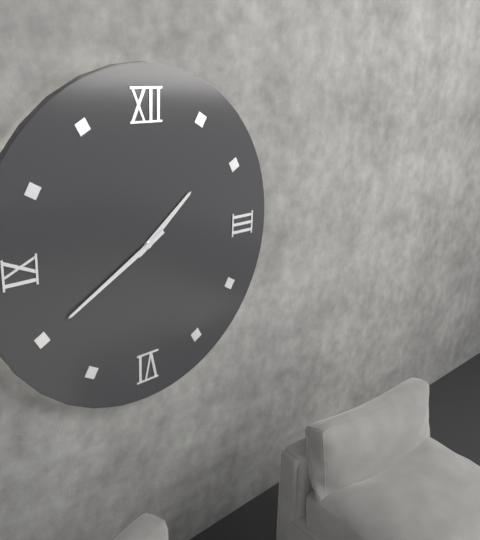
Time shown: {"hour": 1, "minute": 40}
